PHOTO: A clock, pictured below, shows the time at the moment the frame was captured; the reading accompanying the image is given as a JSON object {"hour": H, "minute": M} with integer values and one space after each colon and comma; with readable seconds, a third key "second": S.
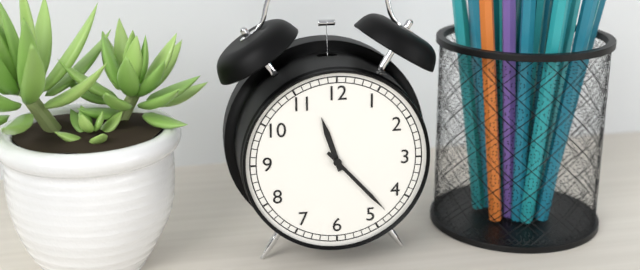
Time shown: {"hour": 11, "minute": 23}
